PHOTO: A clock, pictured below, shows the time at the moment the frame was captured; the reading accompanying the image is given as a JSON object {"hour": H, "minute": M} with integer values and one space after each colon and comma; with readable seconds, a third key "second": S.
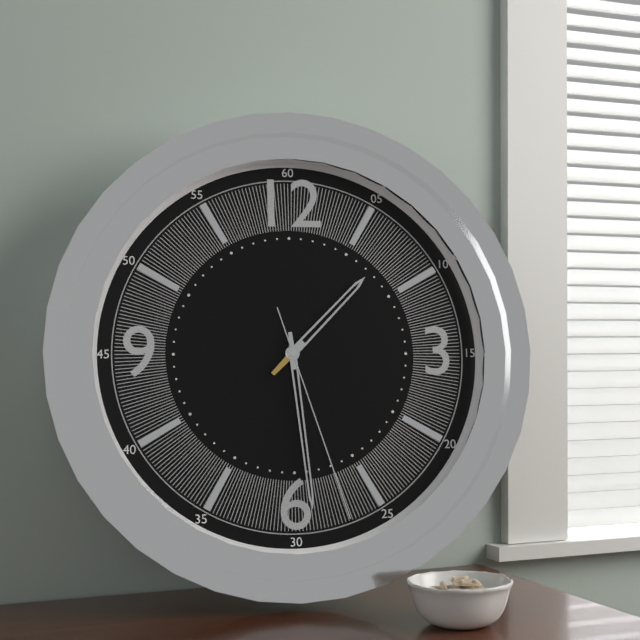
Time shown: {"hour": 1, "minute": 29, "second": 27}
